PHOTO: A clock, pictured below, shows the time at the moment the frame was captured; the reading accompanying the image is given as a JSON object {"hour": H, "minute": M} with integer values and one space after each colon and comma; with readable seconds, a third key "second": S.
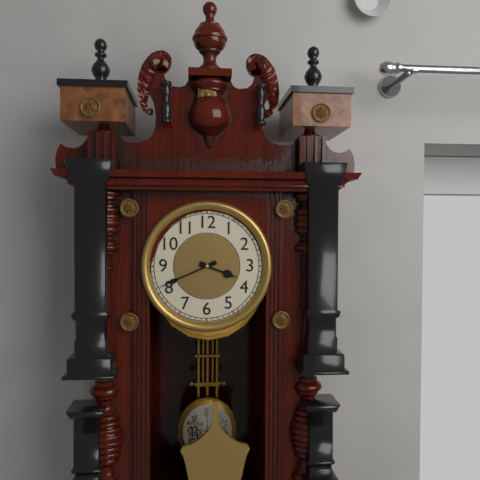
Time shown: {"hour": 3, "minute": 41}
